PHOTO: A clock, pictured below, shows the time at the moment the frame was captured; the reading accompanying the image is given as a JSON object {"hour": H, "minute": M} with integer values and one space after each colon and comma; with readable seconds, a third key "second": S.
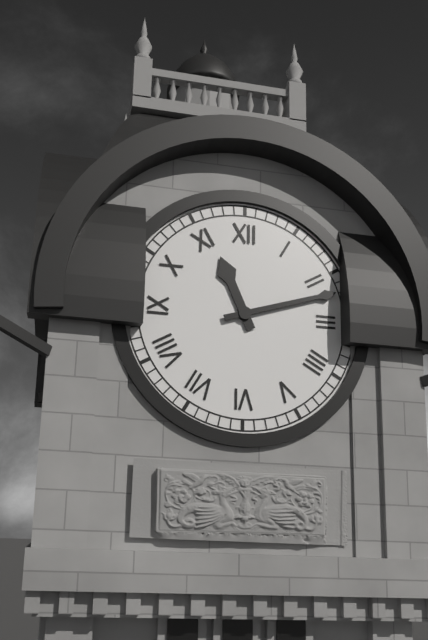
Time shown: {"hour": 11, "minute": 12}
